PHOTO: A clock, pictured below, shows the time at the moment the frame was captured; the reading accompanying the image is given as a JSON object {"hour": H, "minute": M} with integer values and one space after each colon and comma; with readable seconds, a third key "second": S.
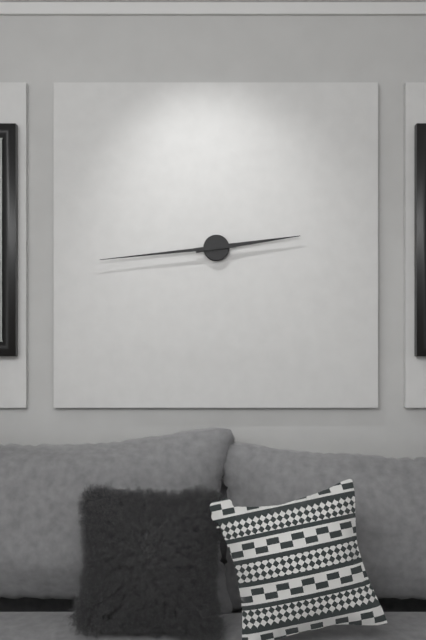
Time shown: {"hour": 2, "minute": 44}
